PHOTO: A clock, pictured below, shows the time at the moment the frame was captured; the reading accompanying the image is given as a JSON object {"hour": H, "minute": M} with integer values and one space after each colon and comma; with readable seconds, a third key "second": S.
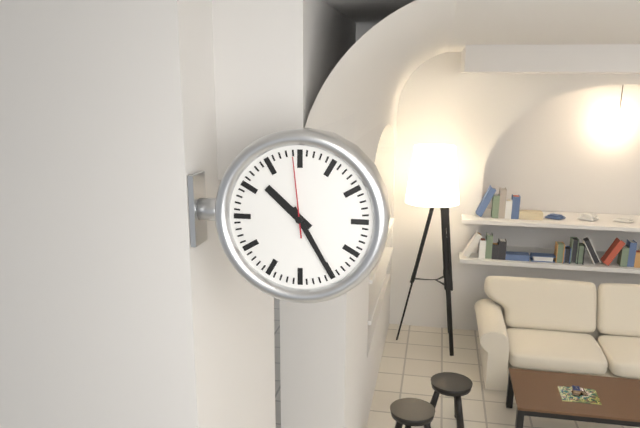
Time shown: {"hour": 10, "minute": 25, "second": 59}
